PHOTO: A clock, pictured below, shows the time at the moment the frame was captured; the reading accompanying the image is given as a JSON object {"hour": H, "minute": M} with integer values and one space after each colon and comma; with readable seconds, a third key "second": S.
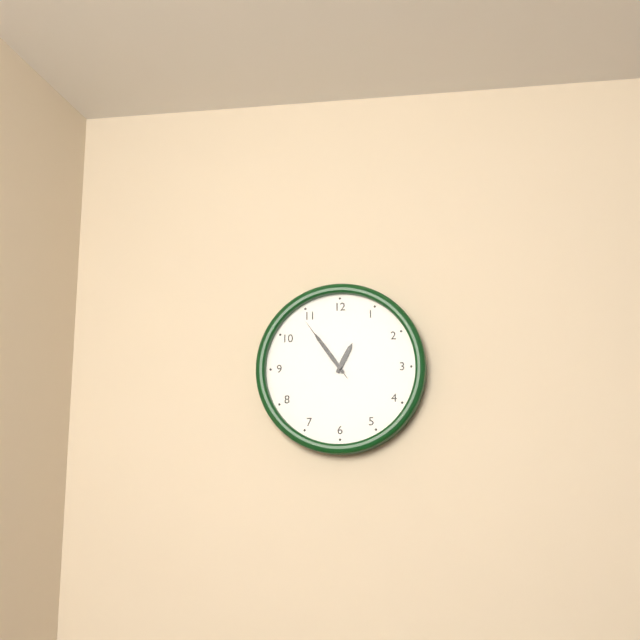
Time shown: {"hour": 12, "minute": 54, "second": 54}
